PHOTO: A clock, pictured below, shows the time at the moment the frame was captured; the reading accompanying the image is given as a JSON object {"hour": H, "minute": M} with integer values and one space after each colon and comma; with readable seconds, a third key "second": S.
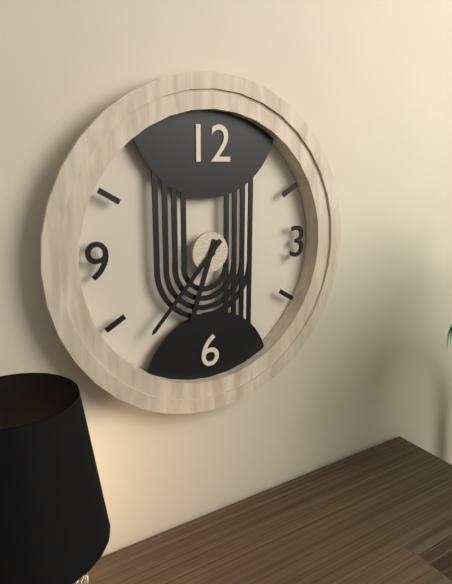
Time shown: {"hour": 6, "minute": 37}
